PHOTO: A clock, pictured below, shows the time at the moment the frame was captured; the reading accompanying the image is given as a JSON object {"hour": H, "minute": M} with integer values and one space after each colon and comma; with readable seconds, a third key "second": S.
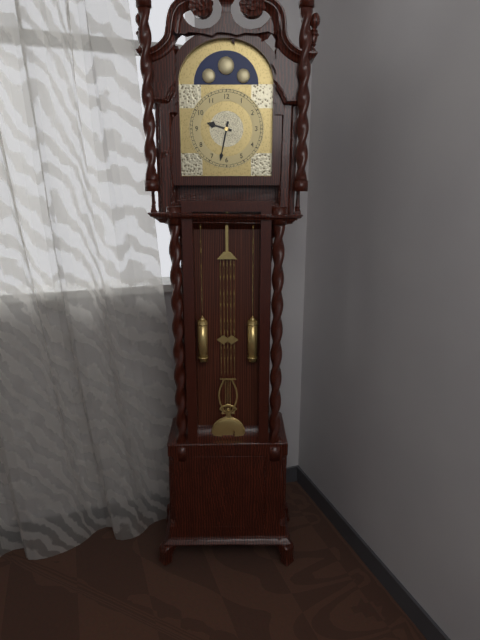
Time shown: {"hour": 9, "minute": 32}
